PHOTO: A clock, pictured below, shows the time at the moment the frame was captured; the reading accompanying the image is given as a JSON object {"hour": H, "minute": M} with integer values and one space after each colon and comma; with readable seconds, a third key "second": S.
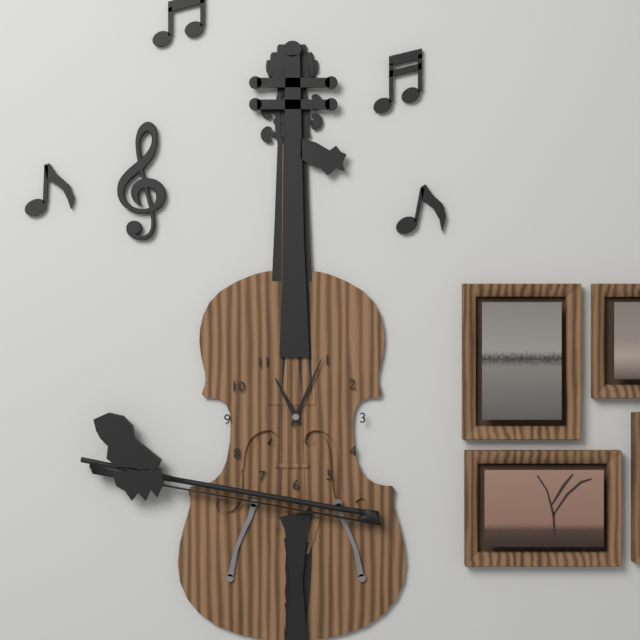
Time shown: {"hour": 11, "minute": 4}
